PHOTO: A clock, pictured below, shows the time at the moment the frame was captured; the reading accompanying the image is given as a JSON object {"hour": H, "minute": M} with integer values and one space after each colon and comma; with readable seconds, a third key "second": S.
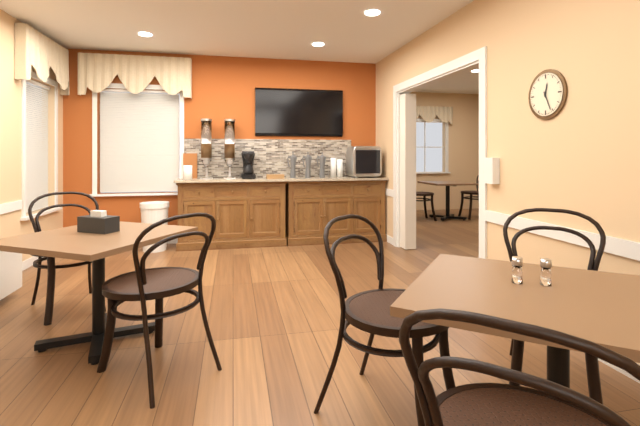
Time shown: {"hour": 12, "minute": 26}
